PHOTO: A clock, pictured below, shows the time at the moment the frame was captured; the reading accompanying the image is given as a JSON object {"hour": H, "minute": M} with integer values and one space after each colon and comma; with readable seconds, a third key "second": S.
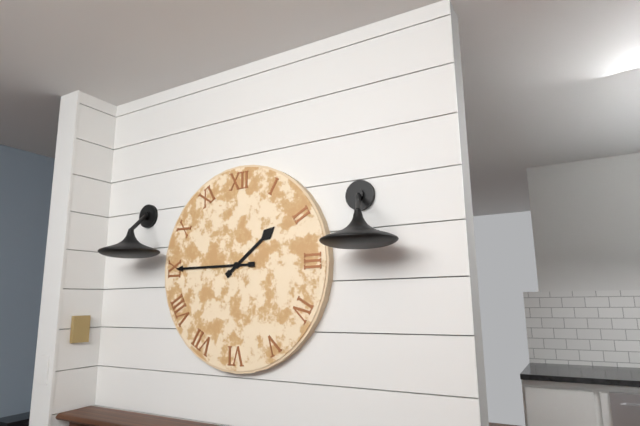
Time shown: {"hour": 1, "minute": 45}
